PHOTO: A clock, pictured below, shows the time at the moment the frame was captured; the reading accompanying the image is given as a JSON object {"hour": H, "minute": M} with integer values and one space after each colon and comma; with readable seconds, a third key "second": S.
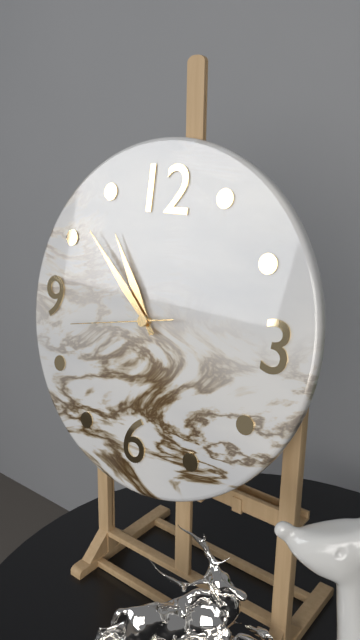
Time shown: {"hour": 10, "minute": 52, "second": 43}
